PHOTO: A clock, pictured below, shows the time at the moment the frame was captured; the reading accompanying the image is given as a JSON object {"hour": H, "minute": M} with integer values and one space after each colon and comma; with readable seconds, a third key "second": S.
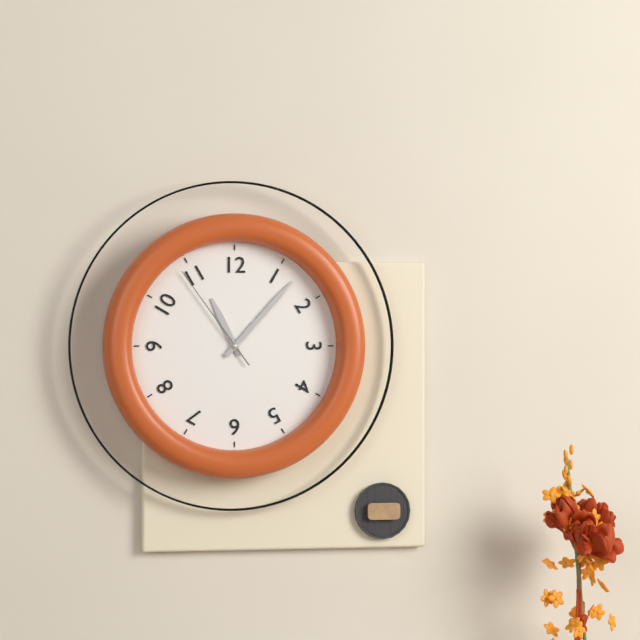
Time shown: {"hour": 11, "minute": 7, "second": 54}
